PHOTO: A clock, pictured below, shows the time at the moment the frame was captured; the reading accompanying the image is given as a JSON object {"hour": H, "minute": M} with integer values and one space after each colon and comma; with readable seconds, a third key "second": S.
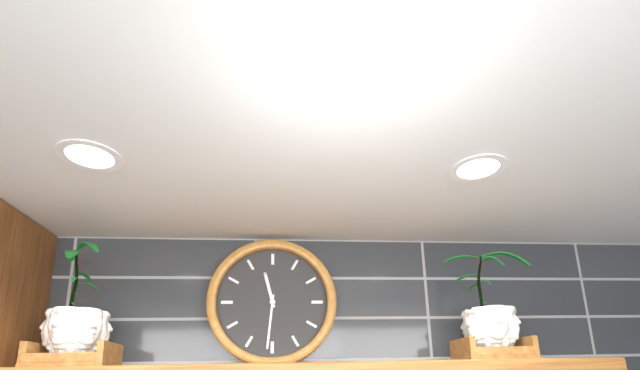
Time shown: {"hour": 11, "minute": 31}
